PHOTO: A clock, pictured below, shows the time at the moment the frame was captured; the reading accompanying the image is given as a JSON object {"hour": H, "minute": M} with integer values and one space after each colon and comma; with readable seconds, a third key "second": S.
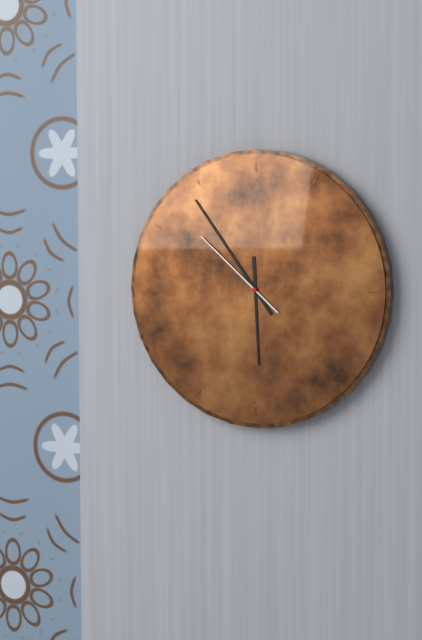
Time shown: {"hour": 5, "minute": 54, "second": 52}
